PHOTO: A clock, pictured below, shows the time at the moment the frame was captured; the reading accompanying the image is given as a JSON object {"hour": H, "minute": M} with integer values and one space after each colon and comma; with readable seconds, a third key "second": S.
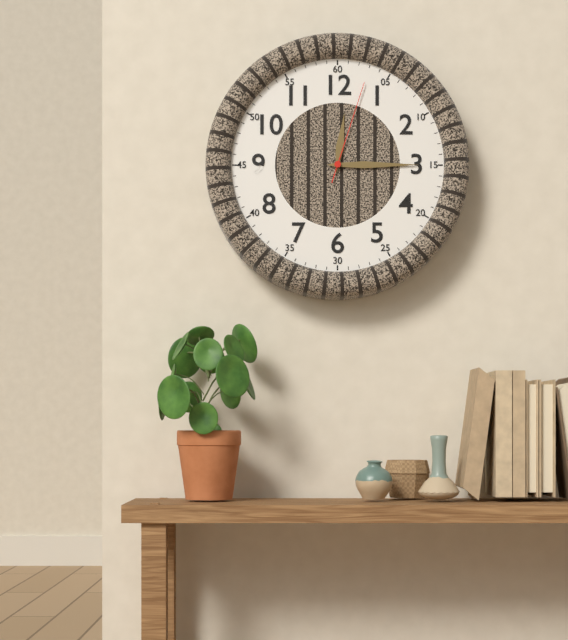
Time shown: {"hour": 12, "minute": 15, "second": 3}
